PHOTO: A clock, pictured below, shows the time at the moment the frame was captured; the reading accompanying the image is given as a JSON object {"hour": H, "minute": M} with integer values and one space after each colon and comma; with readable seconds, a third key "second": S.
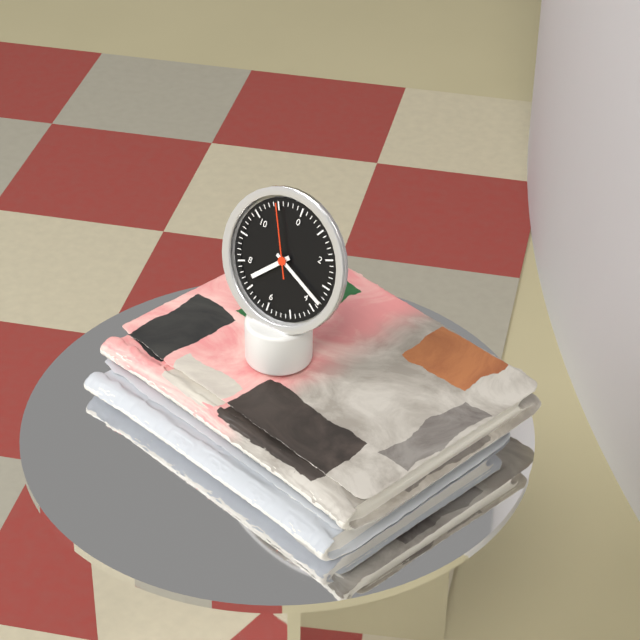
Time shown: {"hour": 7, "minute": 18, "second": 55}
